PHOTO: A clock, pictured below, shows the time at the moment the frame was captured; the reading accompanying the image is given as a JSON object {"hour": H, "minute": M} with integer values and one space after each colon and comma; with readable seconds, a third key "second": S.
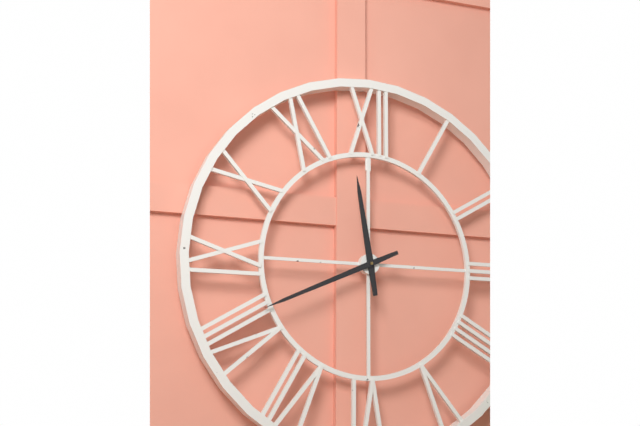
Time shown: {"hour": 11, "minute": 41}
